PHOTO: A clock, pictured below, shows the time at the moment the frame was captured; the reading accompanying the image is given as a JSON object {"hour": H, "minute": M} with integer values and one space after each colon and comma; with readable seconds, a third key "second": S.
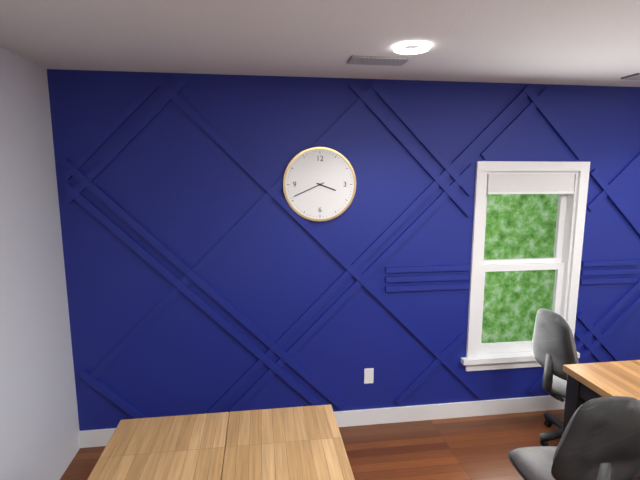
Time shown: {"hour": 3, "minute": 41}
